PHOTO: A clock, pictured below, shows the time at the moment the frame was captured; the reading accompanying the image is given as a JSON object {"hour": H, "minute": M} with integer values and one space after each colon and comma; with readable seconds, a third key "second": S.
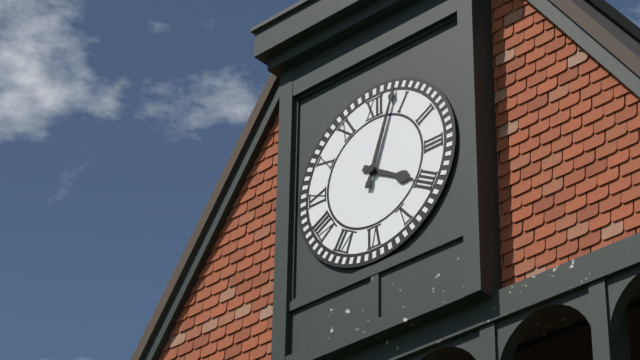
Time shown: {"hour": 4, "minute": 3}
